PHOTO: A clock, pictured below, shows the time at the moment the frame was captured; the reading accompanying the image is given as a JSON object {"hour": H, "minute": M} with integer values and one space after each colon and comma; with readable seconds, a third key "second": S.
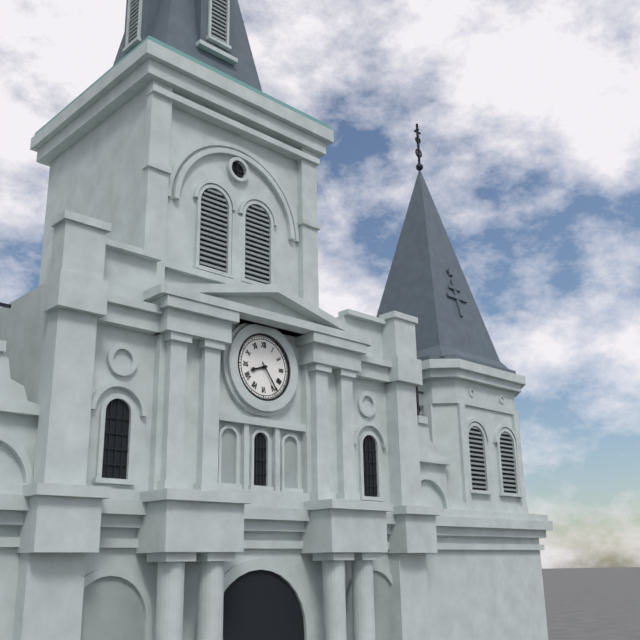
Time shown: {"hour": 8, "minute": 24}
